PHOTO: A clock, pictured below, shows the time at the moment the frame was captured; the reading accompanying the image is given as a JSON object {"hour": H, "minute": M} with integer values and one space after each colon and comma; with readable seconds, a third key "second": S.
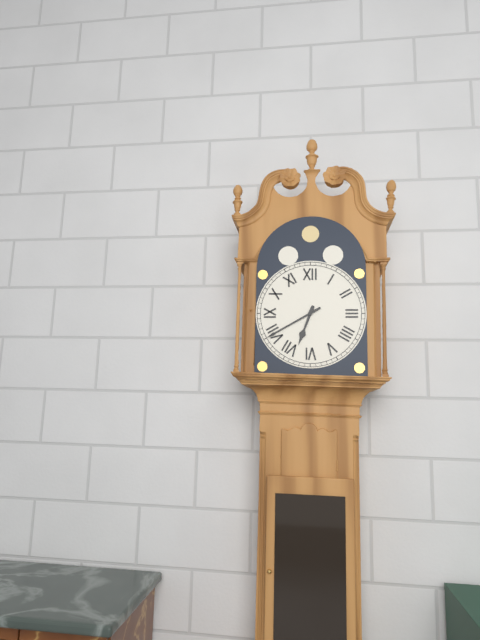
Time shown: {"hour": 6, "minute": 40}
